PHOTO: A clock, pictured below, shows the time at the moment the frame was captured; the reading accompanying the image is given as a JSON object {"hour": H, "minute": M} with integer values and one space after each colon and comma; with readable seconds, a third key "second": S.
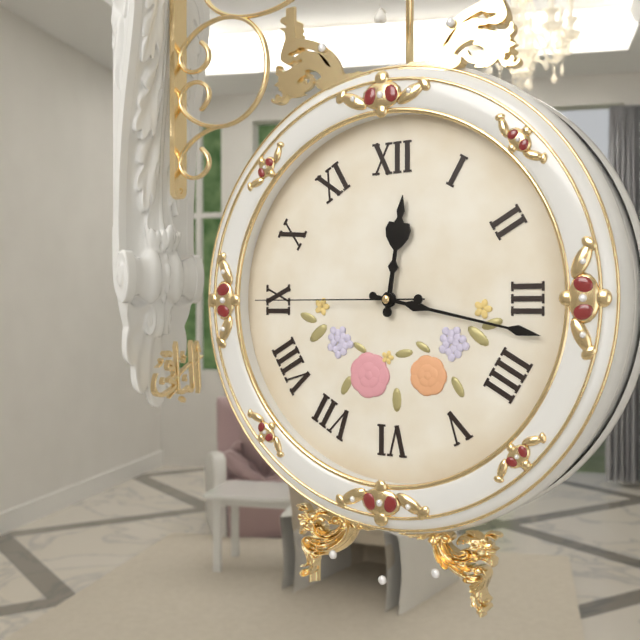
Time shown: {"hour": 12, "minute": 17, "second": 45}
